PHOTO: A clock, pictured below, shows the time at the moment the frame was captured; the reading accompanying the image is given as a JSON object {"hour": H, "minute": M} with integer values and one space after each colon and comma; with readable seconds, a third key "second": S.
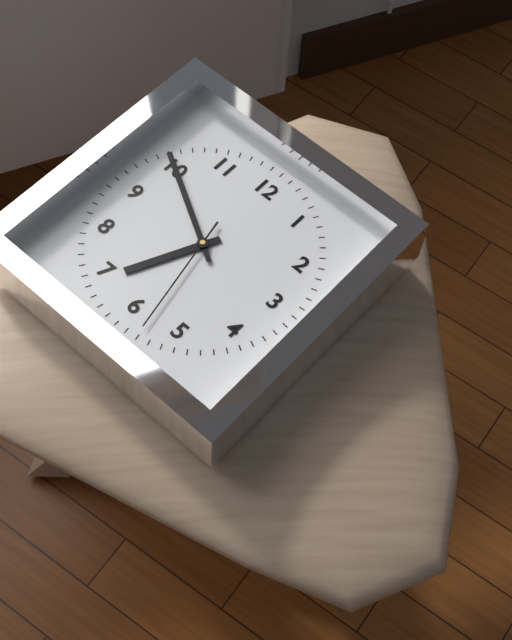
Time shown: {"hour": 6, "minute": 50, "second": 28}
